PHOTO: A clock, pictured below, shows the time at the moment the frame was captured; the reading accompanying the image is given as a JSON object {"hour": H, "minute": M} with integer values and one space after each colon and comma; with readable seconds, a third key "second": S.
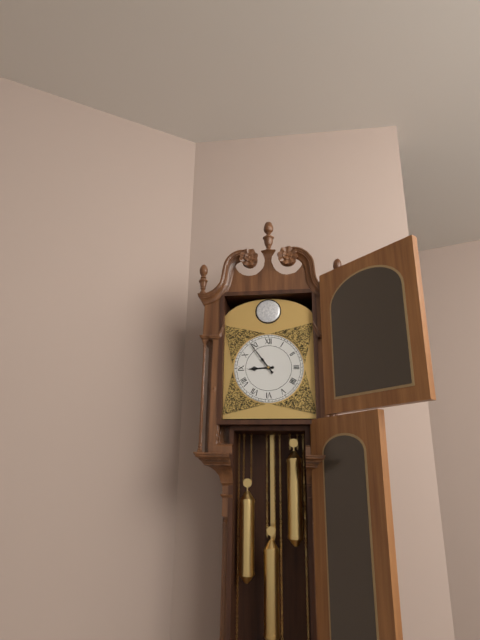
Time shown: {"hour": 8, "minute": 54}
